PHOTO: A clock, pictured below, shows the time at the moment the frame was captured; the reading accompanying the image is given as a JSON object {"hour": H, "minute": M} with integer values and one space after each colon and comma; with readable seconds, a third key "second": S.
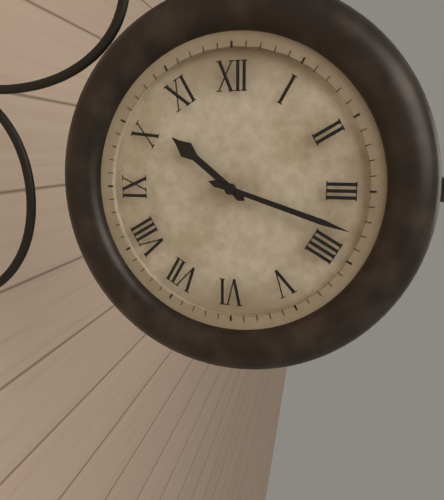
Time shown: {"hour": 10, "minute": 18}
